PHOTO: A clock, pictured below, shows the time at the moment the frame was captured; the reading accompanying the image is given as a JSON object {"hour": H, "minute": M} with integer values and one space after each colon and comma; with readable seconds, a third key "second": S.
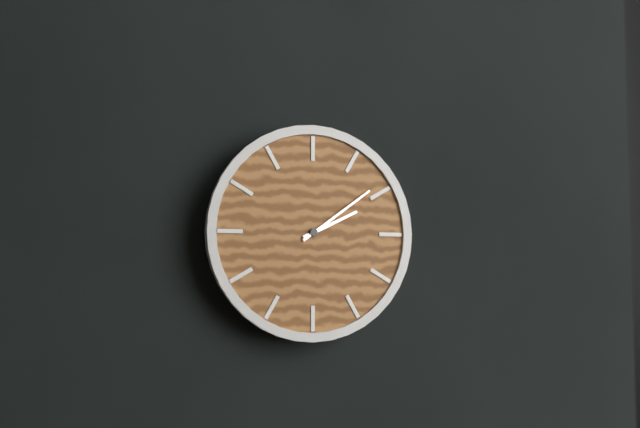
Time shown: {"hour": 2, "minute": 9}
